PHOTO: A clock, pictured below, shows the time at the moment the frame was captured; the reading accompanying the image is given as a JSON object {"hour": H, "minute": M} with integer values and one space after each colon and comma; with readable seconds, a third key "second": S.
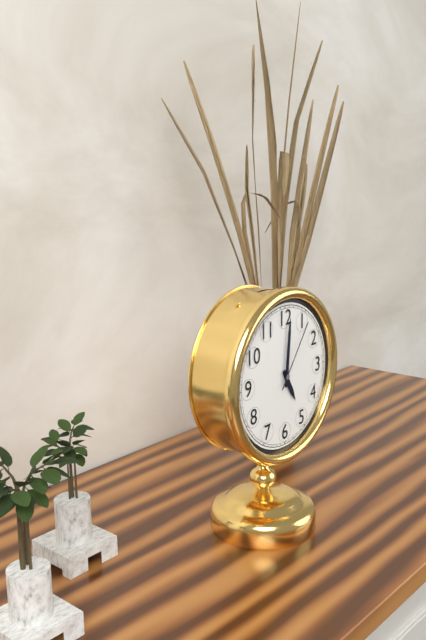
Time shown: {"hour": 5, "minute": 1, "second": 6}
